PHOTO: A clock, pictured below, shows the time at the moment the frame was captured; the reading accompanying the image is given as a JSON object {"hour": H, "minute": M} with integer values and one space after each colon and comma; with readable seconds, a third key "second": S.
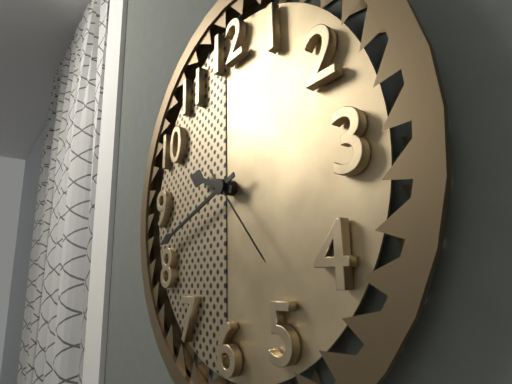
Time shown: {"hour": 9, "minute": 42, "second": 23}
